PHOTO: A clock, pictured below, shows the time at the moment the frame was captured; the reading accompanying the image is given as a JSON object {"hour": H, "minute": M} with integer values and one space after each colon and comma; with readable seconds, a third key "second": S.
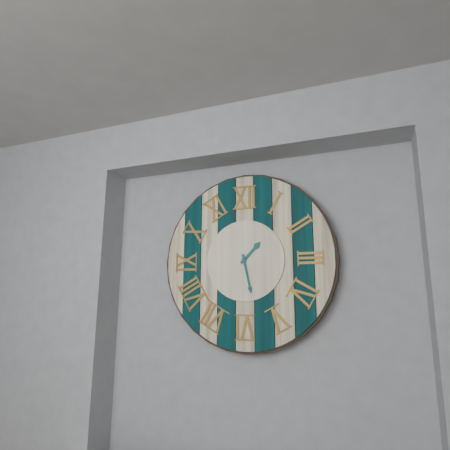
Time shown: {"hour": 1, "minute": 28}
